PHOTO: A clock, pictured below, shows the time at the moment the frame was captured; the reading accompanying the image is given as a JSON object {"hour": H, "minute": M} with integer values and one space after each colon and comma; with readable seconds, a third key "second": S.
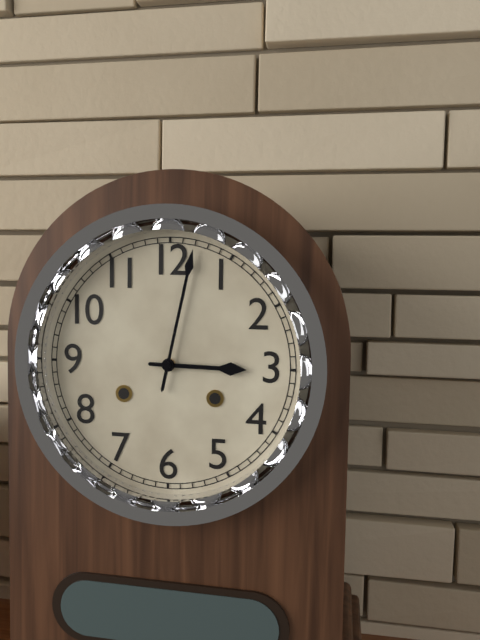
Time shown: {"hour": 3, "minute": 2}
